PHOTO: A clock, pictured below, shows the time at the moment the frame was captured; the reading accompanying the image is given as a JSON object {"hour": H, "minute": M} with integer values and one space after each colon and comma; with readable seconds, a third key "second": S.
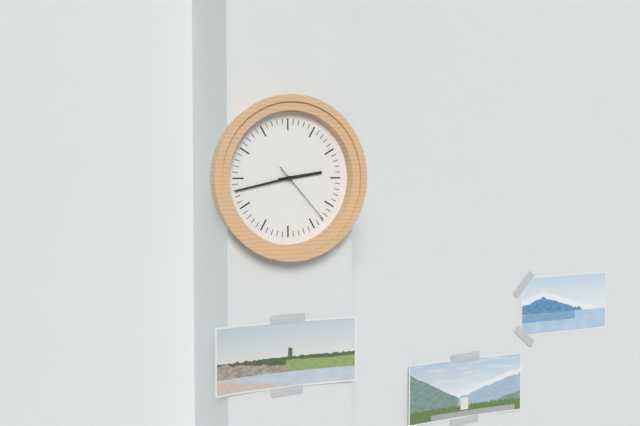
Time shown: {"hour": 2, "minute": 43, "second": 23}
